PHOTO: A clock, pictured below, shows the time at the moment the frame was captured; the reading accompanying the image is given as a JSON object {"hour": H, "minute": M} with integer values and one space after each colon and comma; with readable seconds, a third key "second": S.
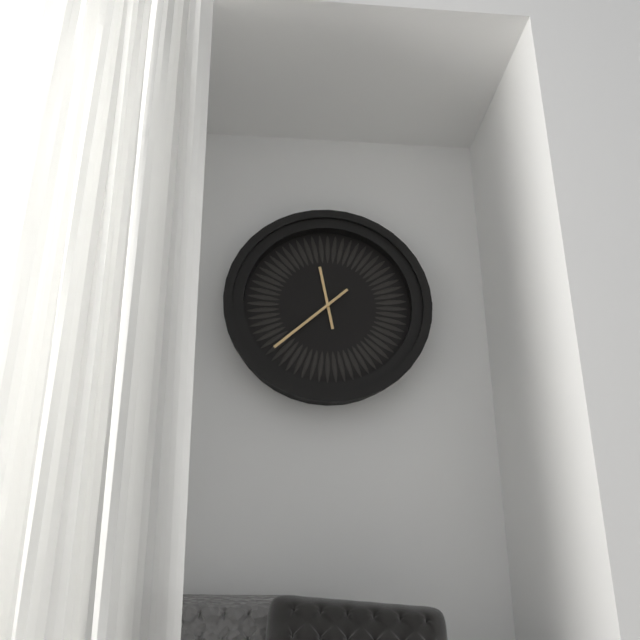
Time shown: {"hour": 11, "minute": 38}
